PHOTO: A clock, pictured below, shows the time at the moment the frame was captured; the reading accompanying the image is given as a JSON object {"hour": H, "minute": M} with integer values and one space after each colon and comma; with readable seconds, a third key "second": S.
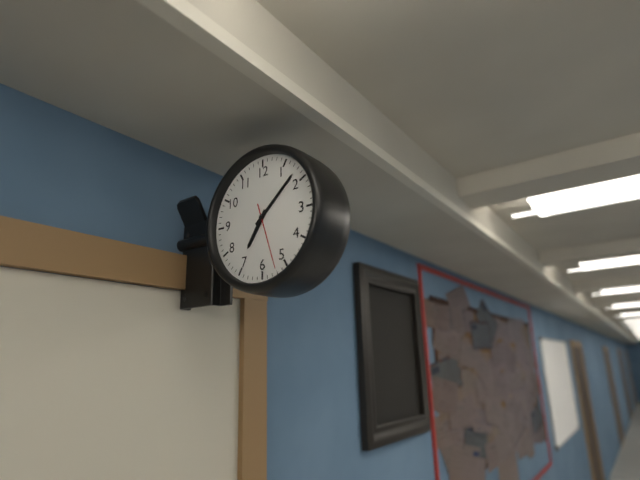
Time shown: {"hour": 7, "minute": 8, "second": 27}
